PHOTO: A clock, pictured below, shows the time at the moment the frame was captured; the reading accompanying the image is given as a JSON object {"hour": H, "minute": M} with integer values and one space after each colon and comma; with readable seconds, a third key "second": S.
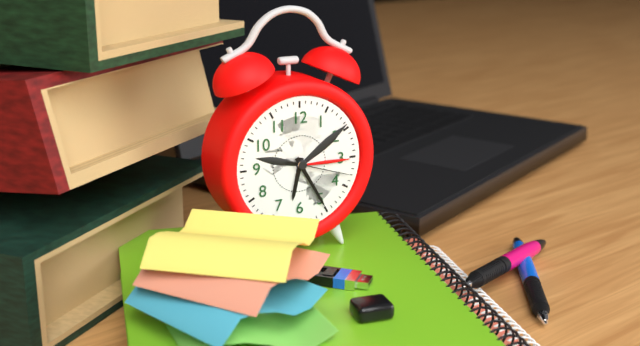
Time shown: {"hour": 6, "minute": 25, "second": 18}
